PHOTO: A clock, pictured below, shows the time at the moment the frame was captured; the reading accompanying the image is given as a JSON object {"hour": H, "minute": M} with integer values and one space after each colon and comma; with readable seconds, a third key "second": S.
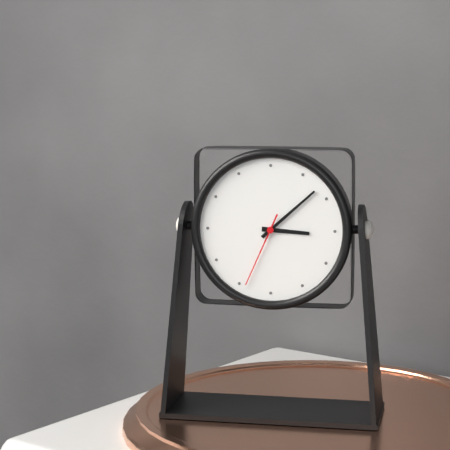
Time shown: {"hour": 3, "minute": 8, "second": 34}
